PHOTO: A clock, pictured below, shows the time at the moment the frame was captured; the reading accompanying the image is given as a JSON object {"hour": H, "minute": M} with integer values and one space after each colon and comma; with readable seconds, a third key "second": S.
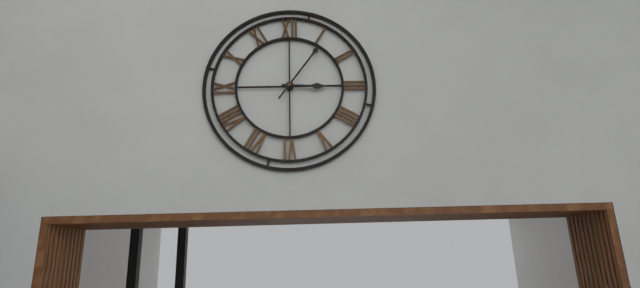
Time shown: {"hour": 3, "minute": 6}
